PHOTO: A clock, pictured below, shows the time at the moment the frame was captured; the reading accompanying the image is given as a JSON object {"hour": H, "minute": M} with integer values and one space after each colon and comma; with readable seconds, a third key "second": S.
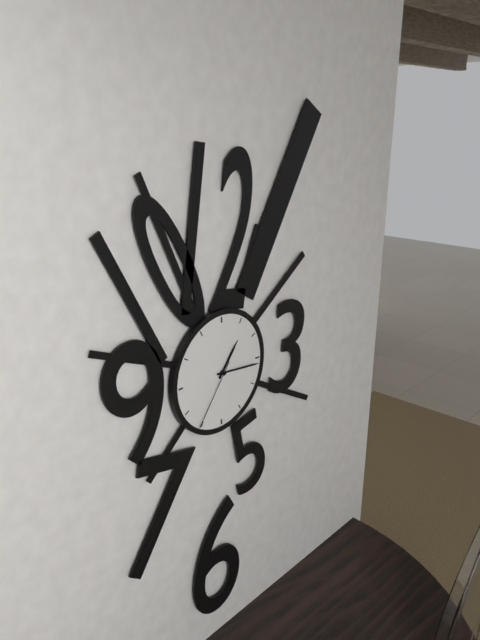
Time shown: {"hour": 1, "minute": 16, "second": 36}
